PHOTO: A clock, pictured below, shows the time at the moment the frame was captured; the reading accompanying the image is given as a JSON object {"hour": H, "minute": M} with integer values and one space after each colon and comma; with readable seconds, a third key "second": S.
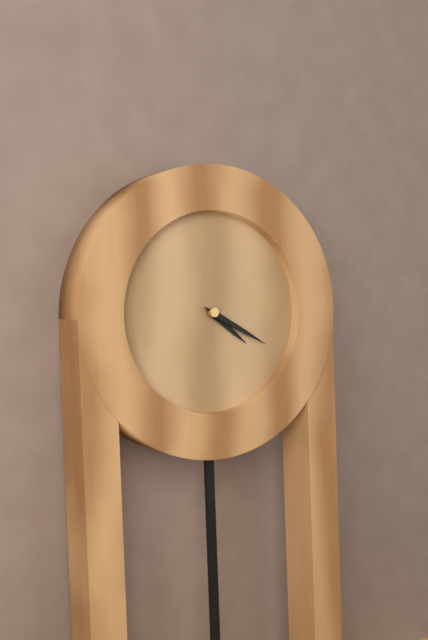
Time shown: {"hour": 4, "minute": 20}
